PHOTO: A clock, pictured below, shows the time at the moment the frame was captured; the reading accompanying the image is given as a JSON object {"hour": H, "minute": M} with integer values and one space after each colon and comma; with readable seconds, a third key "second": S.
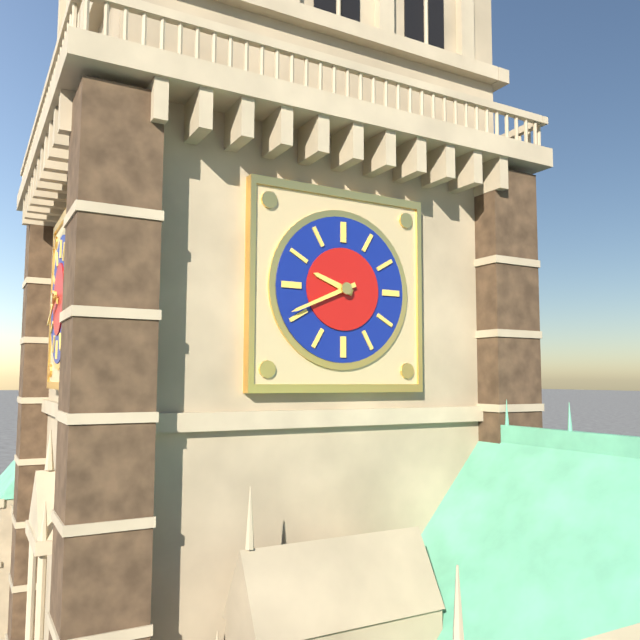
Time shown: {"hour": 9, "minute": 41}
